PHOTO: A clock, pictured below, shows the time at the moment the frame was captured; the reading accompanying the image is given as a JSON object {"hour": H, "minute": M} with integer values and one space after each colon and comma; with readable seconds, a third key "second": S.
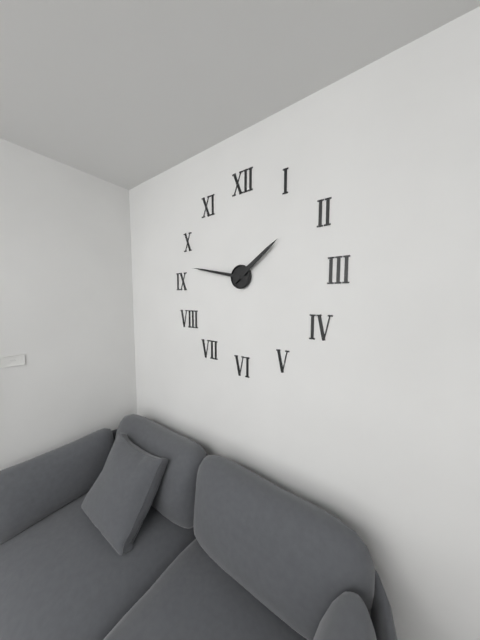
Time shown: {"hour": 1, "minute": 47}
